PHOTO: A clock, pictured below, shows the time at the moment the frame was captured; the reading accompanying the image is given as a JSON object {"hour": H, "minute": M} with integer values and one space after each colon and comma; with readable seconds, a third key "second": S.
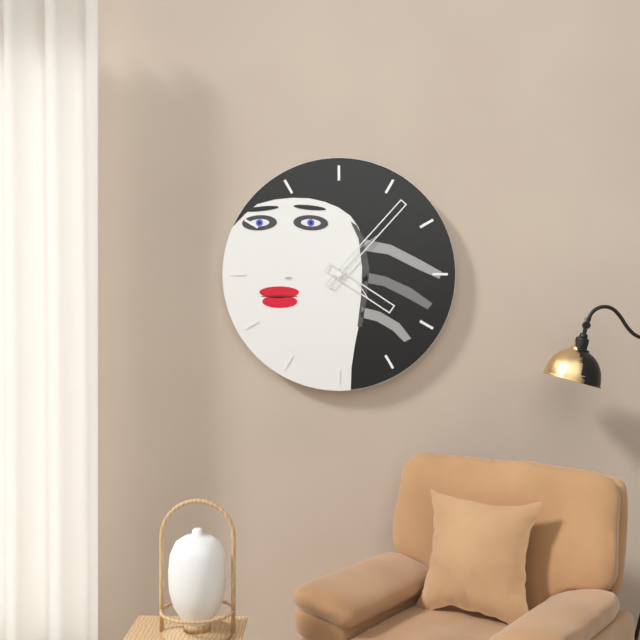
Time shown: {"hour": 4, "minute": 7}
